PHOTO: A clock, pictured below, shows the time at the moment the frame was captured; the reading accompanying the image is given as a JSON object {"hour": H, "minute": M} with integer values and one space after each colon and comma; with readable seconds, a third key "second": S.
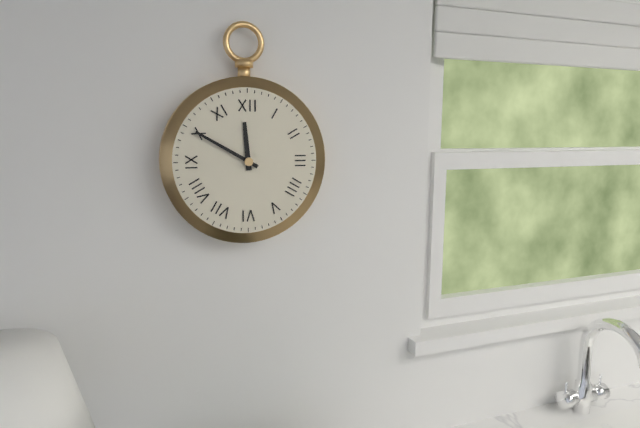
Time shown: {"hour": 11, "minute": 50}
